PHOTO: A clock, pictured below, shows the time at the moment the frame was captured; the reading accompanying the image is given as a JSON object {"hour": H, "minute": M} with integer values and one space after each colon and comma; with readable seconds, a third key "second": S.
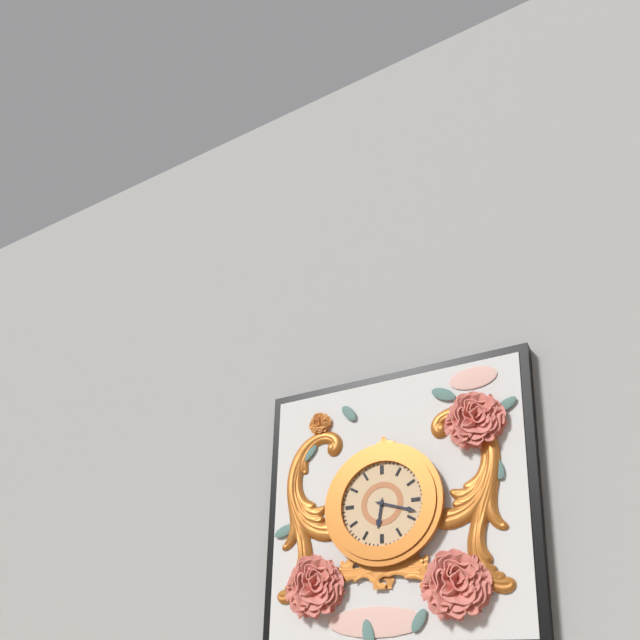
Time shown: {"hour": 6, "minute": 18}
